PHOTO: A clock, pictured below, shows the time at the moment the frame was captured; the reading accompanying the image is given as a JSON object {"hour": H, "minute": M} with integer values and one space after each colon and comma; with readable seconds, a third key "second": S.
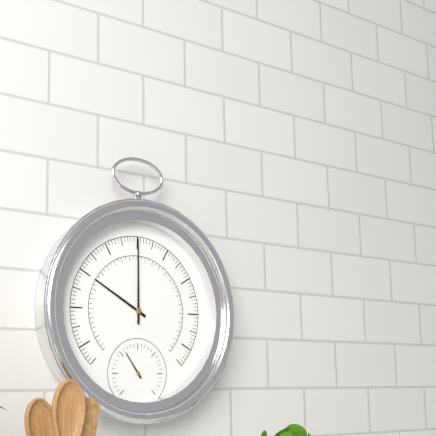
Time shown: {"hour": 10, "minute": 0}
